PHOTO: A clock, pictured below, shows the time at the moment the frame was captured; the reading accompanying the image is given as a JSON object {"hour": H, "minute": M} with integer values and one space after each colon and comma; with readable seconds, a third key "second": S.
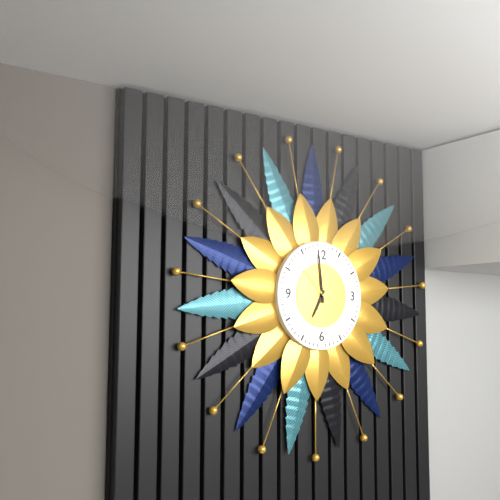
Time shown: {"hour": 6, "minute": 59, "second": 53}
